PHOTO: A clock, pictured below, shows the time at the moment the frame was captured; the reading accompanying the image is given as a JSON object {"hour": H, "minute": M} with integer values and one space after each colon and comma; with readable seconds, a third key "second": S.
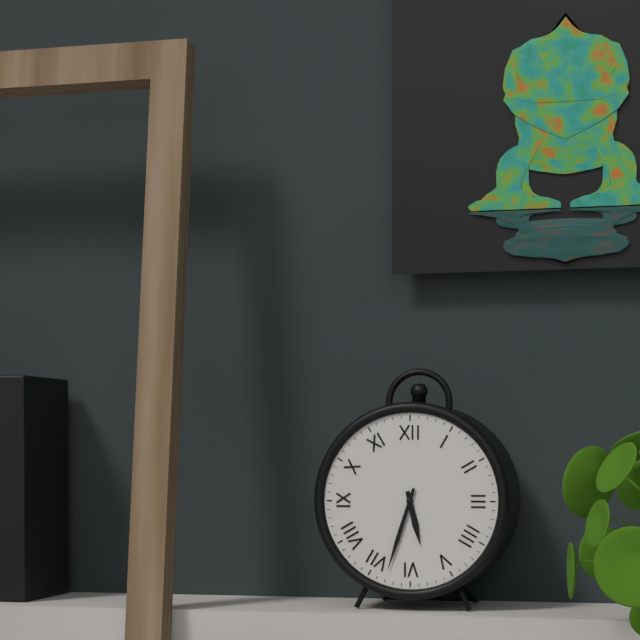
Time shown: {"hour": 5, "minute": 33}
